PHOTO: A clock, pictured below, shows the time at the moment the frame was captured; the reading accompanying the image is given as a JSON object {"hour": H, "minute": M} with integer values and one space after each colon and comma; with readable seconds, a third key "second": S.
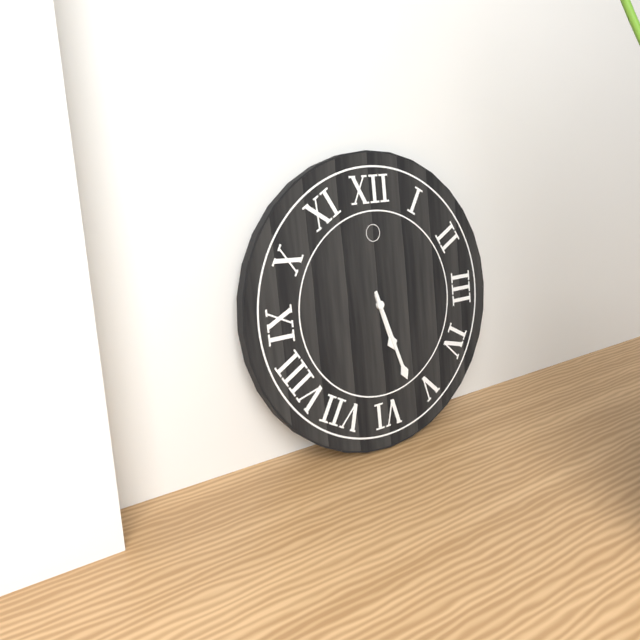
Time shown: {"hour": 5, "minute": 27}
